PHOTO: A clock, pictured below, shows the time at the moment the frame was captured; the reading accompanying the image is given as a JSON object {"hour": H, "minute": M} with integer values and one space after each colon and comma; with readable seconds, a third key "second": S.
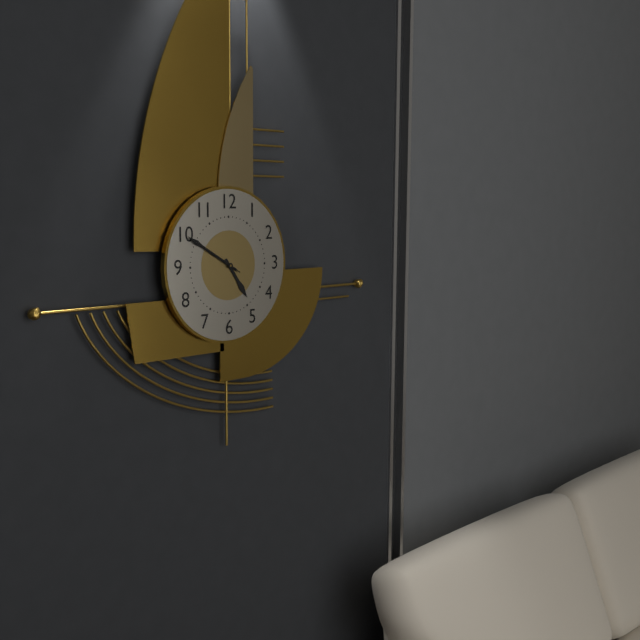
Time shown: {"hour": 4, "minute": 50, "second": 50}
